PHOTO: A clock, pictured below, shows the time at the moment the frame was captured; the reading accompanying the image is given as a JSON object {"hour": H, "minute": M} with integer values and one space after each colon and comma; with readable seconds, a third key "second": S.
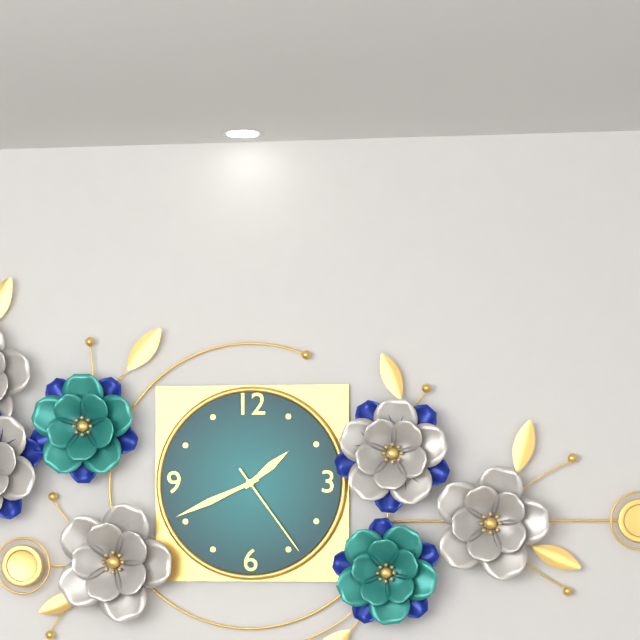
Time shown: {"hour": 1, "minute": 41, "second": 24}
